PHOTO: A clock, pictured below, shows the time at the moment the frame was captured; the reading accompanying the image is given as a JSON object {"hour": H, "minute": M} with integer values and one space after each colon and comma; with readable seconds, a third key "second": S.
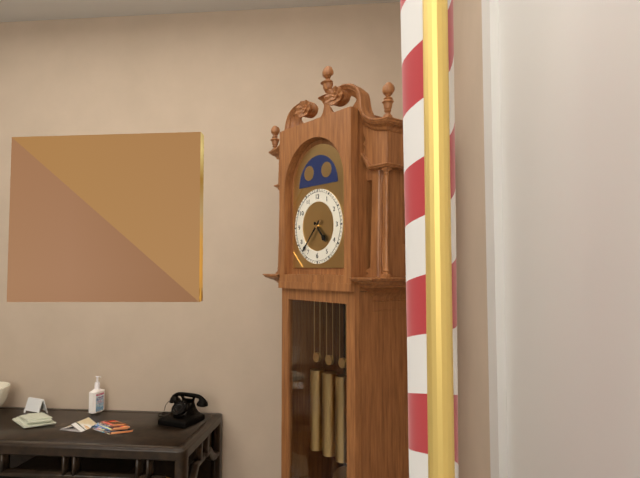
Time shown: {"hour": 4, "minute": 37}
